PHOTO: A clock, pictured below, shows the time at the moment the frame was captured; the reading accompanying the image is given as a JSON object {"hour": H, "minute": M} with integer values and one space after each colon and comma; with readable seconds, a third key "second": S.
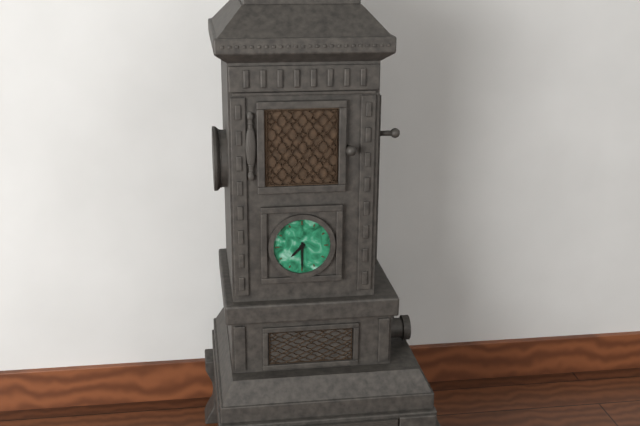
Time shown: {"hour": 7, "minute": 30}
